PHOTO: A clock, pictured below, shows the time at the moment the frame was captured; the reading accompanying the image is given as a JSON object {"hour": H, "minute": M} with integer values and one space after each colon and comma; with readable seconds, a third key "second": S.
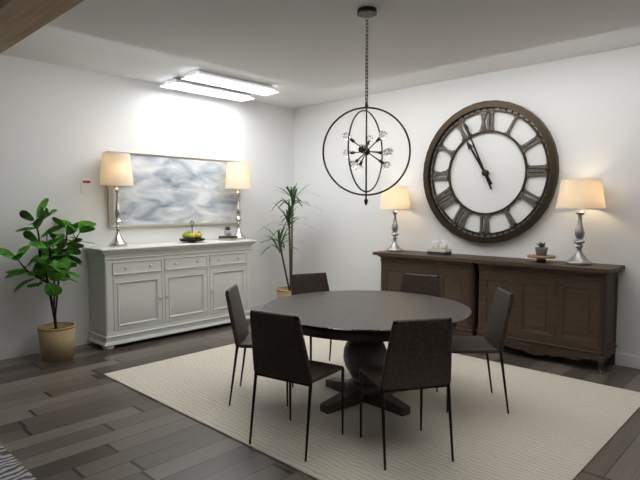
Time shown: {"hour": 10, "minute": 56}
